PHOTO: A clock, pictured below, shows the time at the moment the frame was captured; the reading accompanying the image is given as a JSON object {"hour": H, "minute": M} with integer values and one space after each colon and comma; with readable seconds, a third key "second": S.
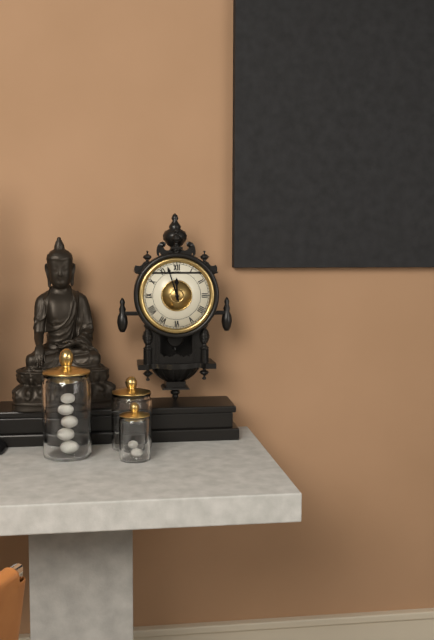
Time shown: {"hour": 11, "minute": 57}
